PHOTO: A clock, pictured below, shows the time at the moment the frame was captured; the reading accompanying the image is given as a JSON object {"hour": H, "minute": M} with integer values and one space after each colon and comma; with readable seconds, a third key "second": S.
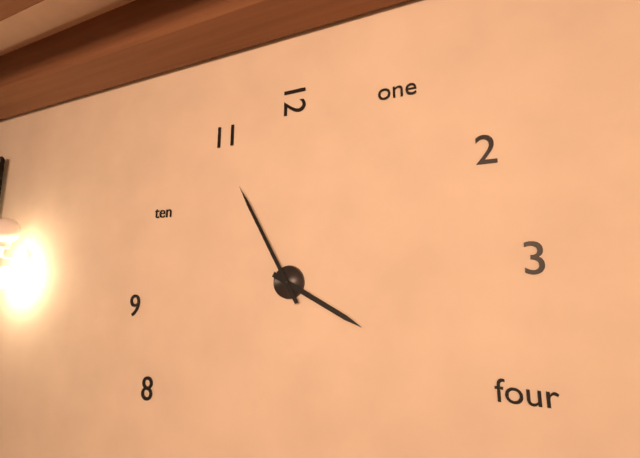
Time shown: {"hour": 3, "minute": 55}
